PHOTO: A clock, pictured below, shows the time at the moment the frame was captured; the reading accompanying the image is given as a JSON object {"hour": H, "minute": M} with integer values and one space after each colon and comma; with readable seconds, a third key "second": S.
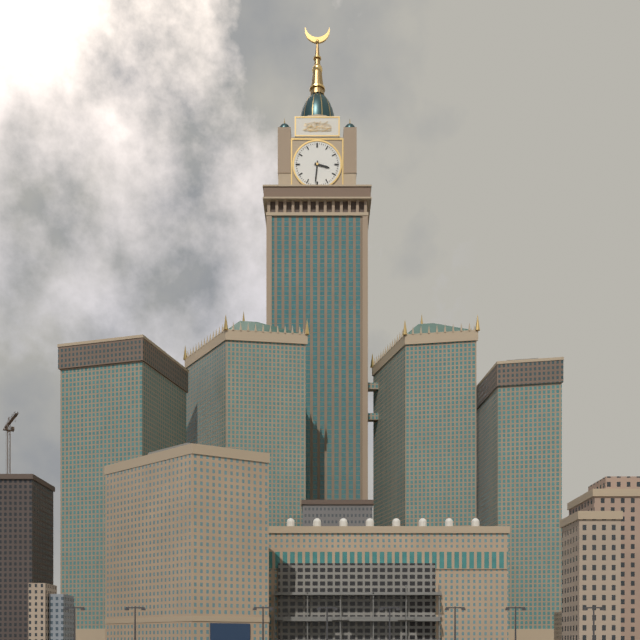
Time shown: {"hour": 3, "minute": 31}
